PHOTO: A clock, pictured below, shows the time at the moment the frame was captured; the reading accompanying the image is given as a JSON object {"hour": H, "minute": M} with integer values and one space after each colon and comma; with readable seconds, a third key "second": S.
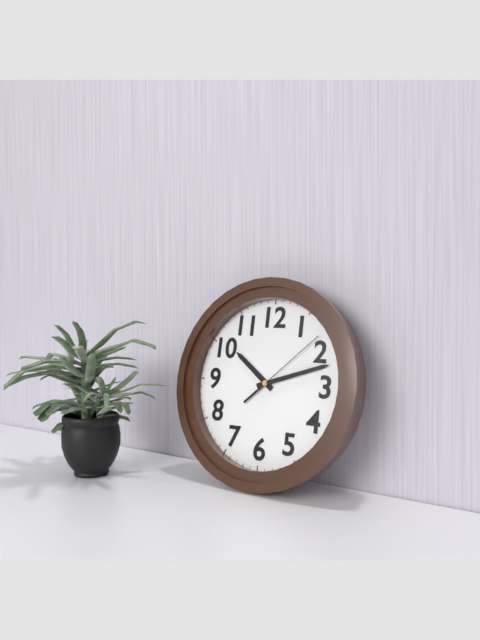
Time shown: {"hour": 10, "minute": 12, "second": 8}
